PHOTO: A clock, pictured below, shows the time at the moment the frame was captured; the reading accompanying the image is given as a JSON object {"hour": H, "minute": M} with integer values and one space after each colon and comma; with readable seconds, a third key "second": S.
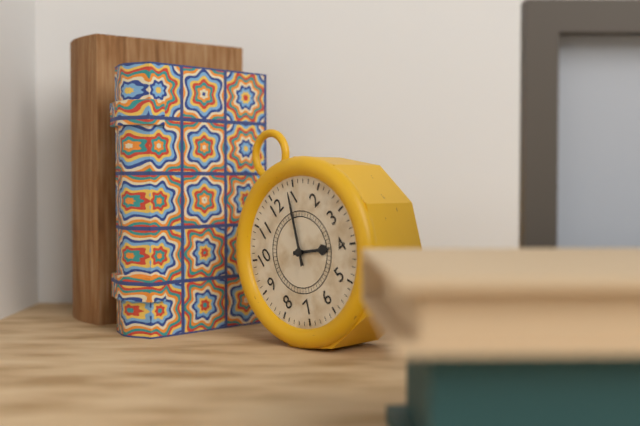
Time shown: {"hour": 4, "minute": 4}
